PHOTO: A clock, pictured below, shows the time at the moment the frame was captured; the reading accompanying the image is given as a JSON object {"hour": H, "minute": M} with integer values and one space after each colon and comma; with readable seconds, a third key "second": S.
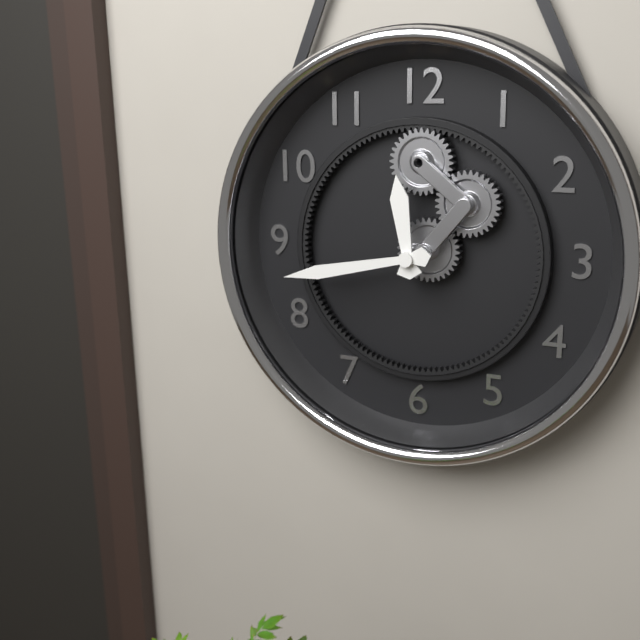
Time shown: {"hour": 11, "minute": 43}
